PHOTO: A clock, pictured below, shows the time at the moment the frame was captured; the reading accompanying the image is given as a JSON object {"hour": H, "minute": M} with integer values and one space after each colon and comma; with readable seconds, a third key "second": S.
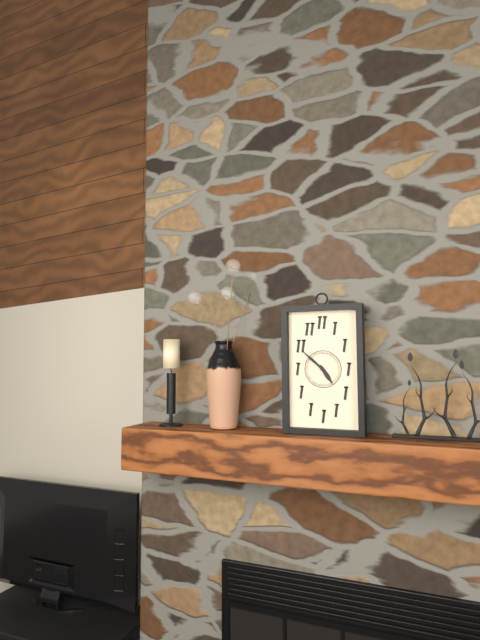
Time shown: {"hour": 4, "minute": 52}
